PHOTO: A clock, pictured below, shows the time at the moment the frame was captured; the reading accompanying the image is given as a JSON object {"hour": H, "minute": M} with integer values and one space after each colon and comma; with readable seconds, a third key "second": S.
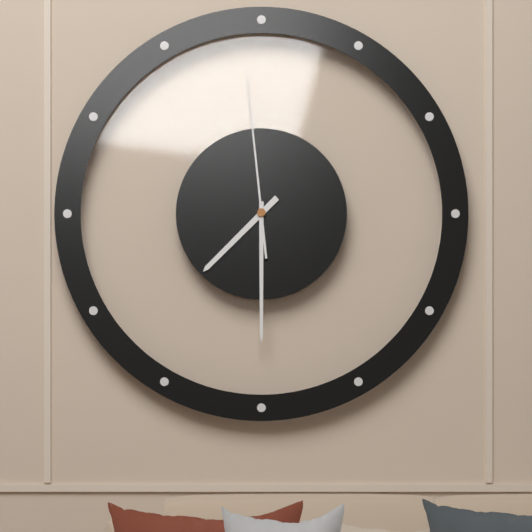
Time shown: {"hour": 7, "minute": 30, "second": 59}
